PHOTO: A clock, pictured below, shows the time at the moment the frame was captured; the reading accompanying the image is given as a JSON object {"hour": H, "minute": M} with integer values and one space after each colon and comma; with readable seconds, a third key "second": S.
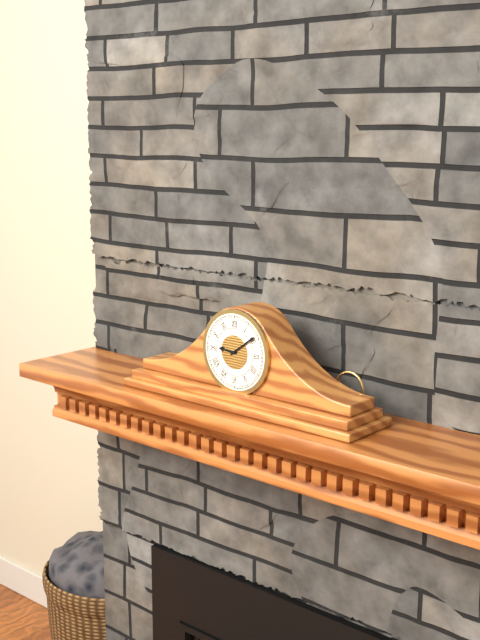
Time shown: {"hour": 9, "minute": 9}
